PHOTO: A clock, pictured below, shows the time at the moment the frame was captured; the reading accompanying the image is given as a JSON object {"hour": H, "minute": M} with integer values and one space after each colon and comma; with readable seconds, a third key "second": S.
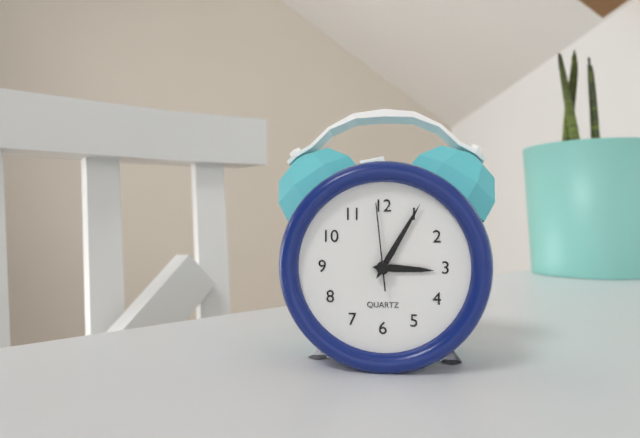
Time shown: {"hour": 3, "minute": 5, "second": 59}
